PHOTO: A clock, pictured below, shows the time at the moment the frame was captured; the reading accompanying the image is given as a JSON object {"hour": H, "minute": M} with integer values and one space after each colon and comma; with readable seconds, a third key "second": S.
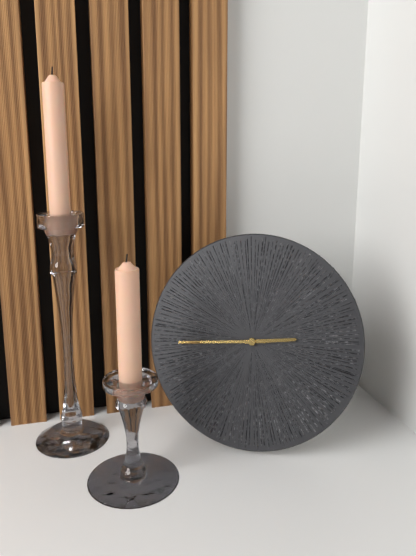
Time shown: {"hour": 2, "minute": 44}
